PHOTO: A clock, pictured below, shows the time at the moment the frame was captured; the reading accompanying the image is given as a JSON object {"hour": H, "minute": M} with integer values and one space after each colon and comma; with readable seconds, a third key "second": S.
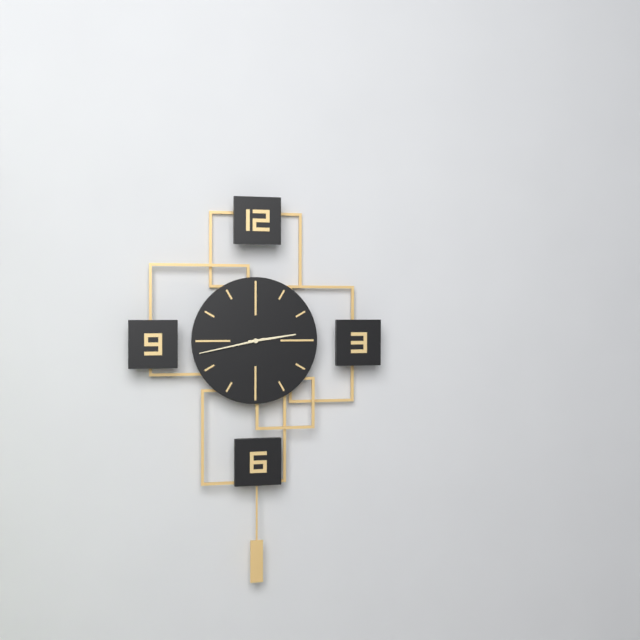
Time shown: {"hour": 2, "minute": 43}
